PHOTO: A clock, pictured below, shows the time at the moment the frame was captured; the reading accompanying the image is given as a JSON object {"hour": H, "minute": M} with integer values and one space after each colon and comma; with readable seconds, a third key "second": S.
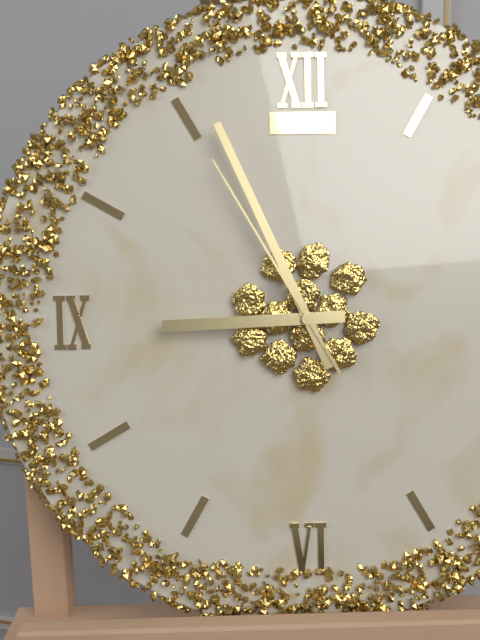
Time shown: {"hour": 8, "minute": 56, "second": 55}
